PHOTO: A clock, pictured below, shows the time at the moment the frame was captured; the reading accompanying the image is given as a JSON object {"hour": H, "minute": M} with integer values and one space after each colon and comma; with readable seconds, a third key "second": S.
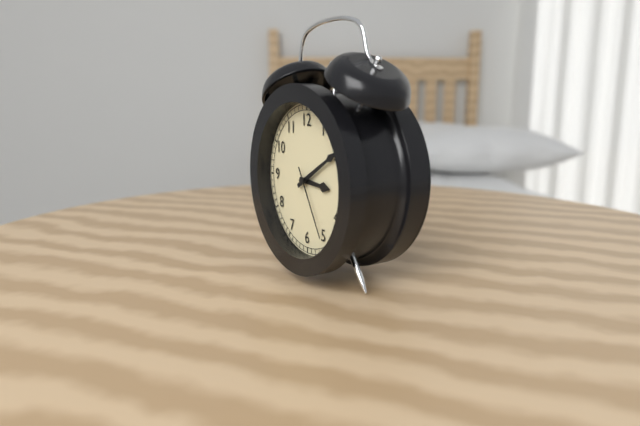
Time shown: {"hour": 3, "minute": 10, "second": 25}
